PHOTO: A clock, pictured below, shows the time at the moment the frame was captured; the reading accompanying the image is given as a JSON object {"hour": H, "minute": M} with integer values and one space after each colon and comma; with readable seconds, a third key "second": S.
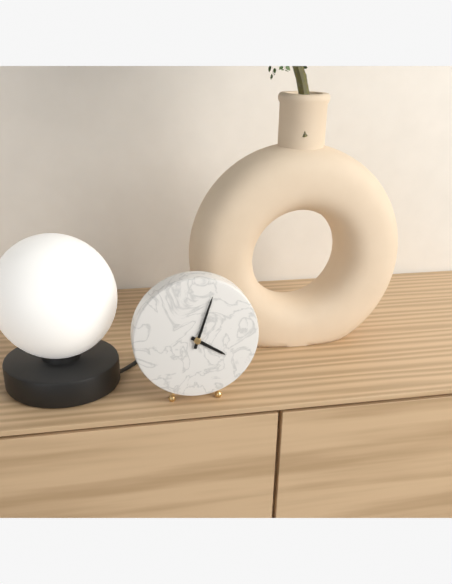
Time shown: {"hour": 4, "minute": 3}
